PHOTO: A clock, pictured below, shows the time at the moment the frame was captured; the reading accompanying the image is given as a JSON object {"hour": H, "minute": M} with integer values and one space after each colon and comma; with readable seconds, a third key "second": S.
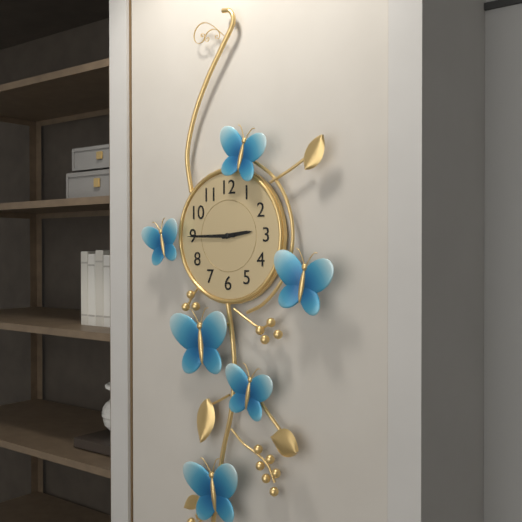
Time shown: {"hour": 2, "minute": 45}
